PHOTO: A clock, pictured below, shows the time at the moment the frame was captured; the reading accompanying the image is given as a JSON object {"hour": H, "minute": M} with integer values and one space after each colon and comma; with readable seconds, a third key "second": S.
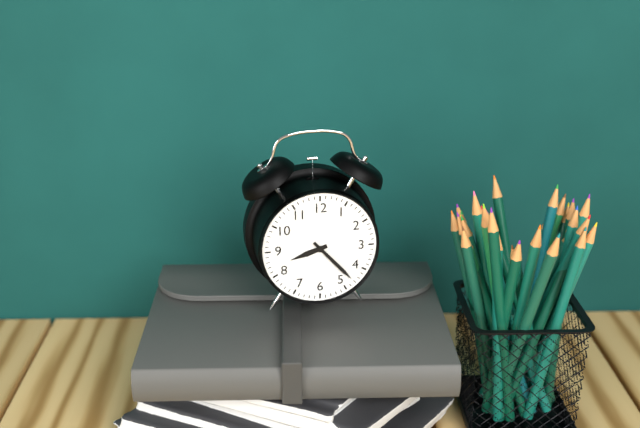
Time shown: {"hour": 8, "minute": 23}
